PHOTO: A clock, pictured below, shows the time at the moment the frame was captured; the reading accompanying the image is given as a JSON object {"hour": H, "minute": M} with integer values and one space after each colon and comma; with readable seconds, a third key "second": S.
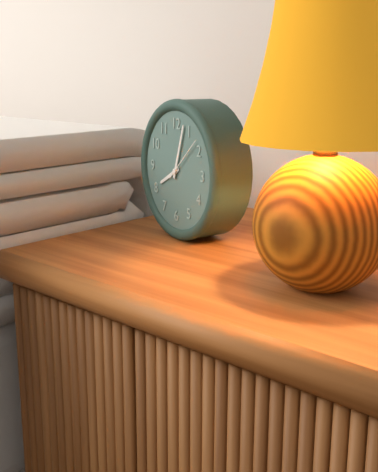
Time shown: {"hour": 8, "minute": 3}
